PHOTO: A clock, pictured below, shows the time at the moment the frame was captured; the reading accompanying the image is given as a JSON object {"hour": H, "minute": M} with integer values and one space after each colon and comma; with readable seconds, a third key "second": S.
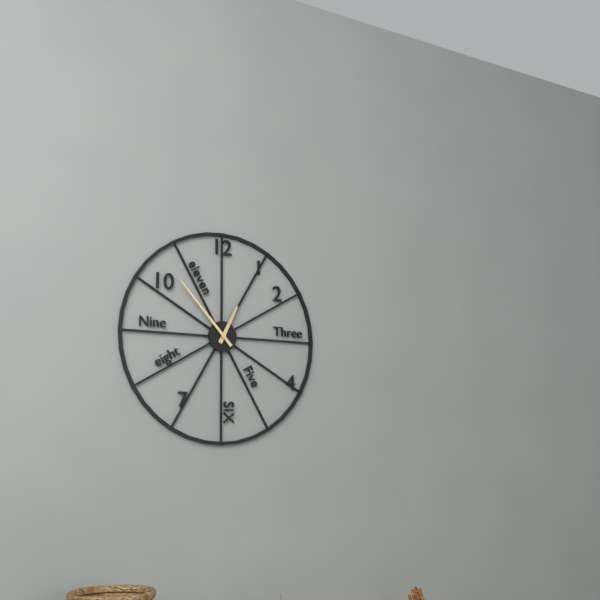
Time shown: {"hour": 12, "minute": 53}
